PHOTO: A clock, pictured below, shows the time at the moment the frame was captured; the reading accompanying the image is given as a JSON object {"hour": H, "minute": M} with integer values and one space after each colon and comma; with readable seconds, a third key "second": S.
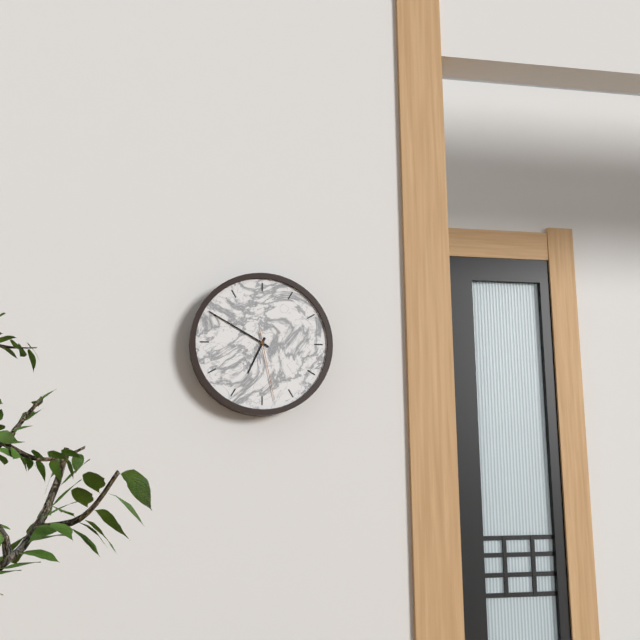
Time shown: {"hour": 6, "minute": 50, "second": 28}
